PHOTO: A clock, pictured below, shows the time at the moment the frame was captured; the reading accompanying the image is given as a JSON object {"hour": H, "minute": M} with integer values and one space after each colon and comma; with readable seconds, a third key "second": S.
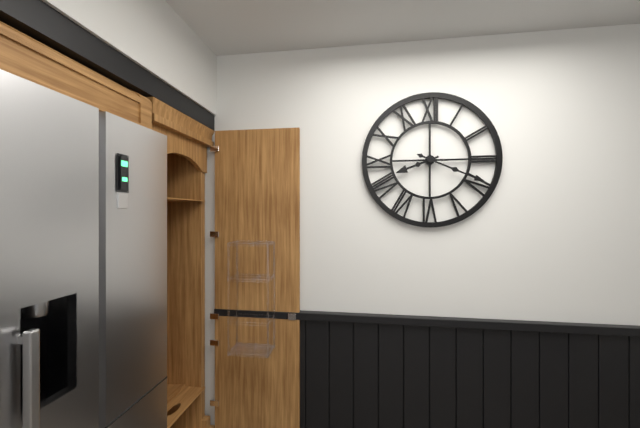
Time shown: {"hour": 8, "minute": 19}
